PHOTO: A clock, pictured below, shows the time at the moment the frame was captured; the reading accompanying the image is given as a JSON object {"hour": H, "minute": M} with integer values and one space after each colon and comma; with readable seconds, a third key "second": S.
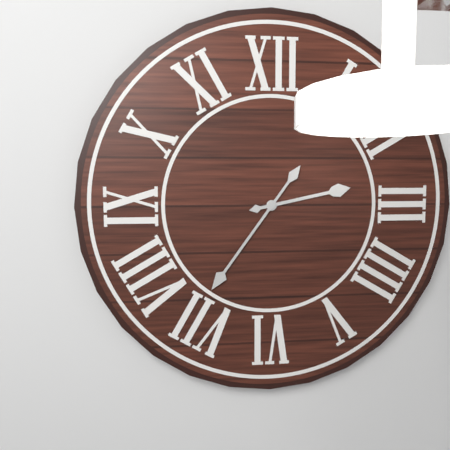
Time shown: {"hour": 2, "minute": 36}
